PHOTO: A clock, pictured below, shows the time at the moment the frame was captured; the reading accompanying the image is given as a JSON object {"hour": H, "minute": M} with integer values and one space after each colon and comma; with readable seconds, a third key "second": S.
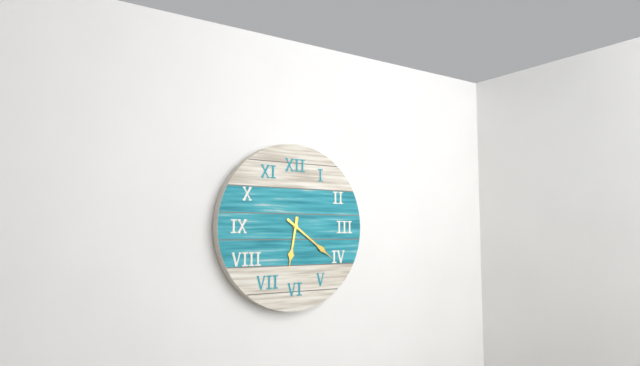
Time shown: {"hour": 6, "minute": 21}
